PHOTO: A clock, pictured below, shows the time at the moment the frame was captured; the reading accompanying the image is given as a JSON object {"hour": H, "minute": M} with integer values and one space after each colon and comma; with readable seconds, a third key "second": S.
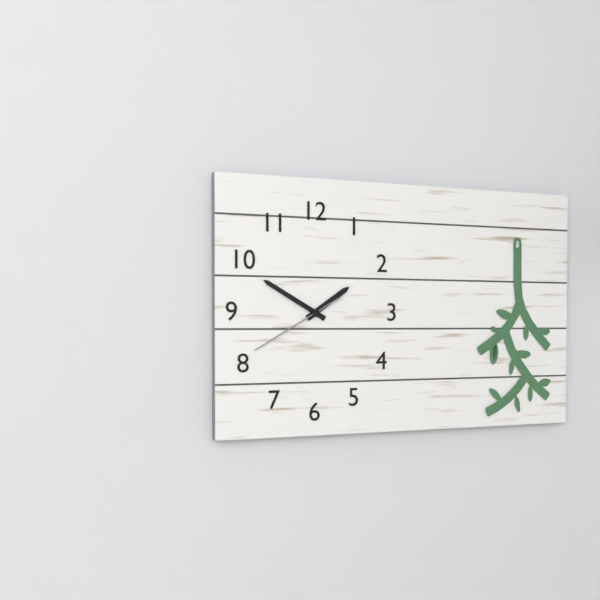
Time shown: {"hour": 1, "minute": 50, "second": 40}
